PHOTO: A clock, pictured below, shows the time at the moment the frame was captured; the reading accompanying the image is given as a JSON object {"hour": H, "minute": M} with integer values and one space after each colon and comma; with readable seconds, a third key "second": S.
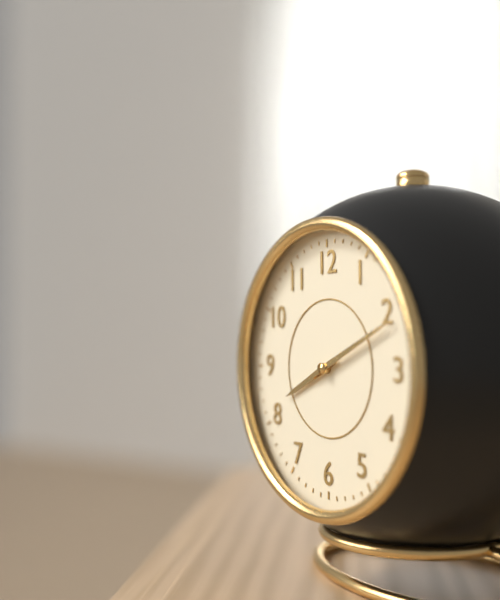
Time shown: {"hour": 8, "minute": 11}
